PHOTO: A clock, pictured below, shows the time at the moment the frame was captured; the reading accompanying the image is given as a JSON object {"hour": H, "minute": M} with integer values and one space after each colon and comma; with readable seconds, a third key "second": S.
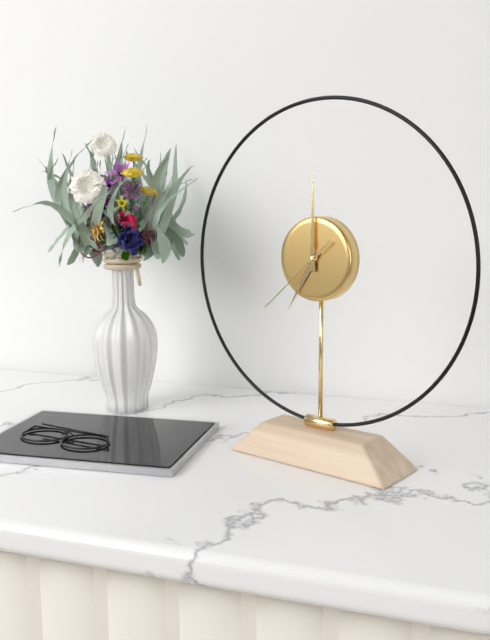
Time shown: {"hour": 7, "minute": 0, "second": 38}
